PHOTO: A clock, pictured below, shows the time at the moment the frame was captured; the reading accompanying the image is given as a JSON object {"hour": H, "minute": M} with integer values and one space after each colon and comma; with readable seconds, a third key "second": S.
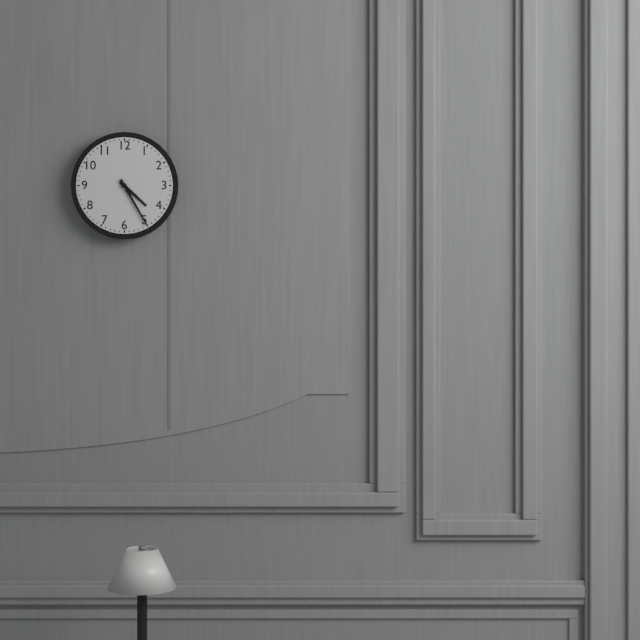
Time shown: {"hour": 4, "minute": 25}
